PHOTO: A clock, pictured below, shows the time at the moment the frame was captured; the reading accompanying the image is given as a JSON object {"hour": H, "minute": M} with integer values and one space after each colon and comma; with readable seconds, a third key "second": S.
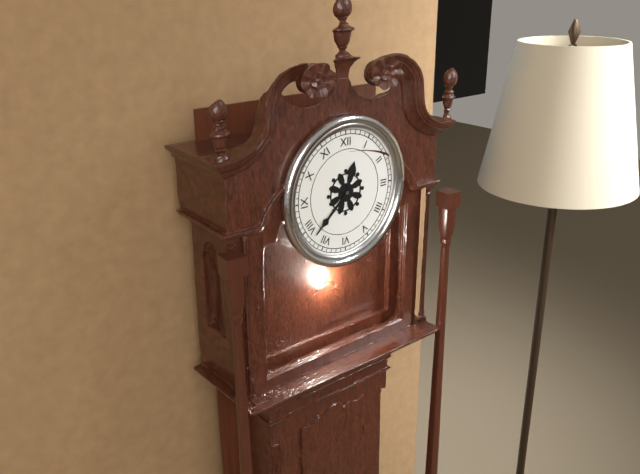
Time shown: {"hour": 12, "minute": 38}
